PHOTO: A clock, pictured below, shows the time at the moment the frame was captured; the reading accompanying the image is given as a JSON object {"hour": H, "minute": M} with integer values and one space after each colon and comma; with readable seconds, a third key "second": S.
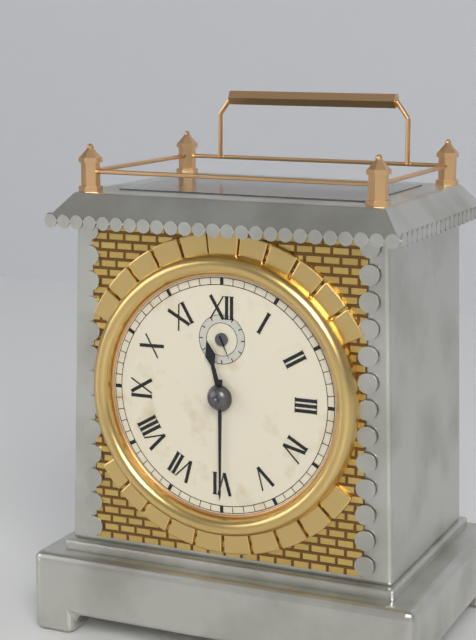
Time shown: {"hour": 11, "minute": 30}
